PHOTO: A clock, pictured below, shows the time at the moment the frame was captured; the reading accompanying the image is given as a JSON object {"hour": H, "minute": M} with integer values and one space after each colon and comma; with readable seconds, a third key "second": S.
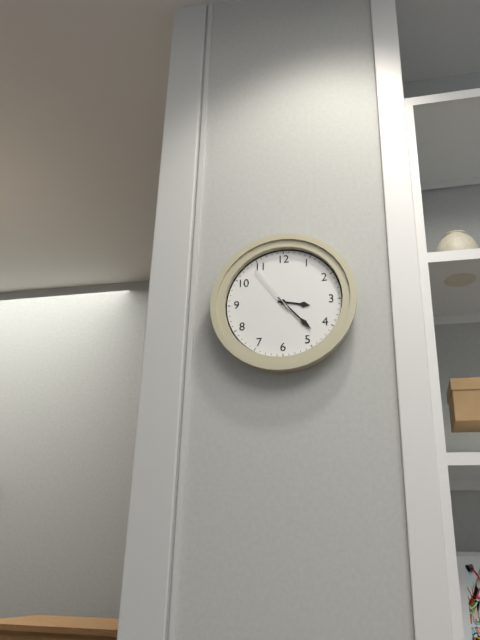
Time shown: {"hour": 3, "minute": 23, "second": 54}
